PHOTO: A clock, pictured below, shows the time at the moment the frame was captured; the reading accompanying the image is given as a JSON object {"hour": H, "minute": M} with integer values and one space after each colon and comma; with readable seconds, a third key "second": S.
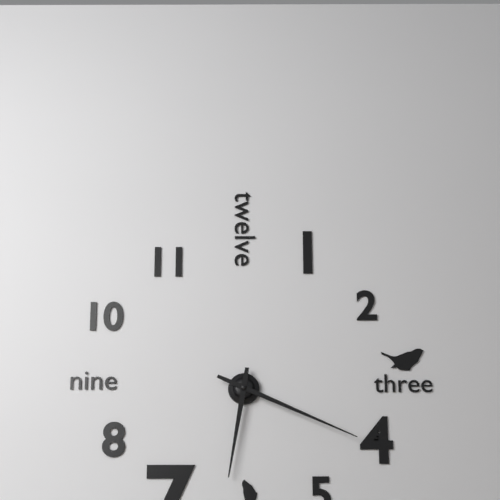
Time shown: {"hour": 6, "minute": 19}
